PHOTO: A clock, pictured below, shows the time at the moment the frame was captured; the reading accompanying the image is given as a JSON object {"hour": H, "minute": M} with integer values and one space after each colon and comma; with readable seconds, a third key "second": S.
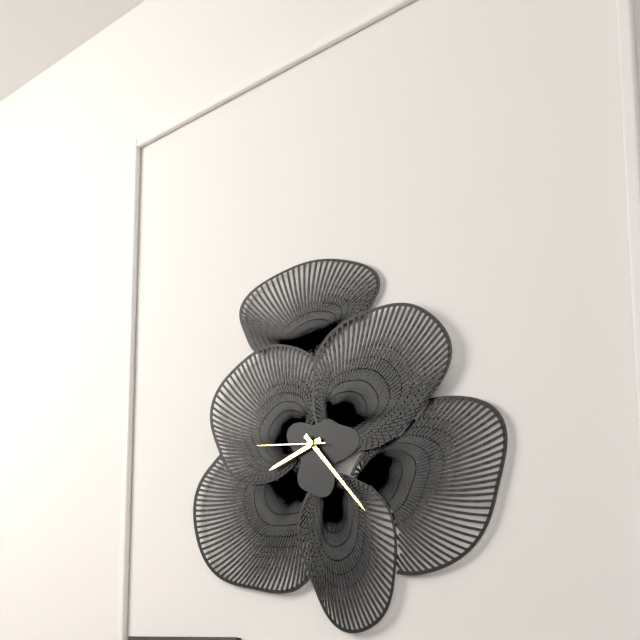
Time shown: {"hour": 8, "minute": 23, "second": 46}
